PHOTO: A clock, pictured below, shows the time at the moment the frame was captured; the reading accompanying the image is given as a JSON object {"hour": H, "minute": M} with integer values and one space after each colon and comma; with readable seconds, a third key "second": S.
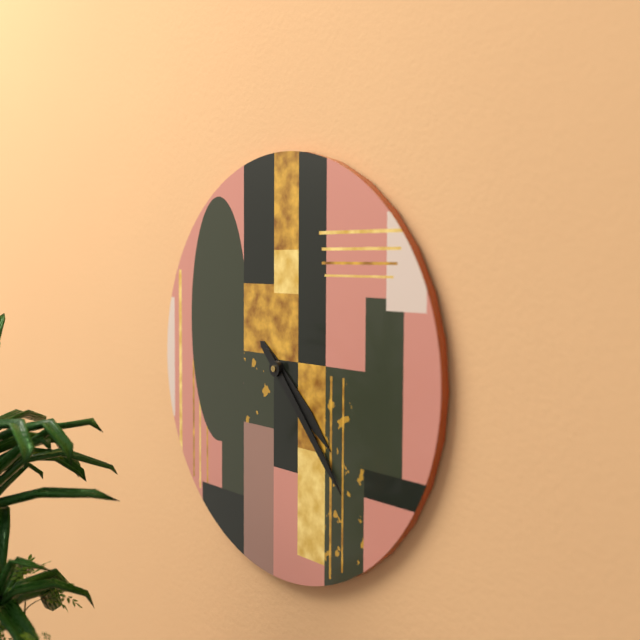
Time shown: {"hour": 4, "minute": 23}
